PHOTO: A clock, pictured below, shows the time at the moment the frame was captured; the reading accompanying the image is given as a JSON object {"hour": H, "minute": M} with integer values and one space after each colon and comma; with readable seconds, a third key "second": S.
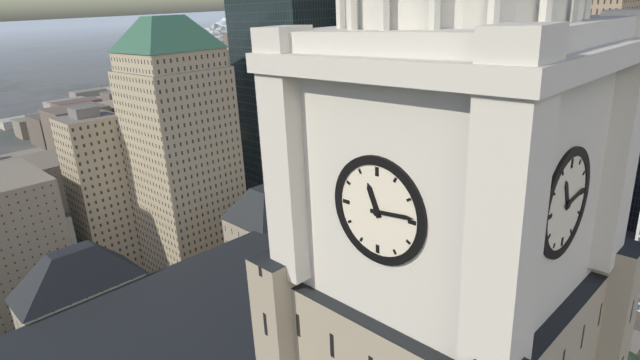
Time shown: {"hour": 11, "minute": 14}
